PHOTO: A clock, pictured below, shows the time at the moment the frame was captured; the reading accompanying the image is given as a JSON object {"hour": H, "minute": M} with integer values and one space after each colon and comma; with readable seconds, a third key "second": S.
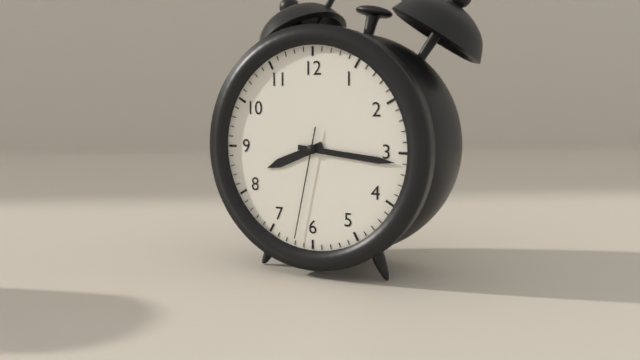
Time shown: {"hour": 8, "minute": 16, "second": 32}
